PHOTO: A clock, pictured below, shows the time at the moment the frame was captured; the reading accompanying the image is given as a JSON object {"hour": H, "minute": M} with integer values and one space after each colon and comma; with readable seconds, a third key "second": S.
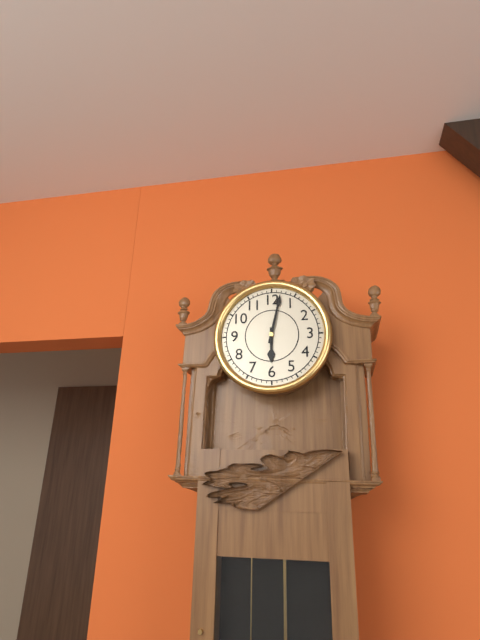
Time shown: {"hour": 6, "minute": 2}
